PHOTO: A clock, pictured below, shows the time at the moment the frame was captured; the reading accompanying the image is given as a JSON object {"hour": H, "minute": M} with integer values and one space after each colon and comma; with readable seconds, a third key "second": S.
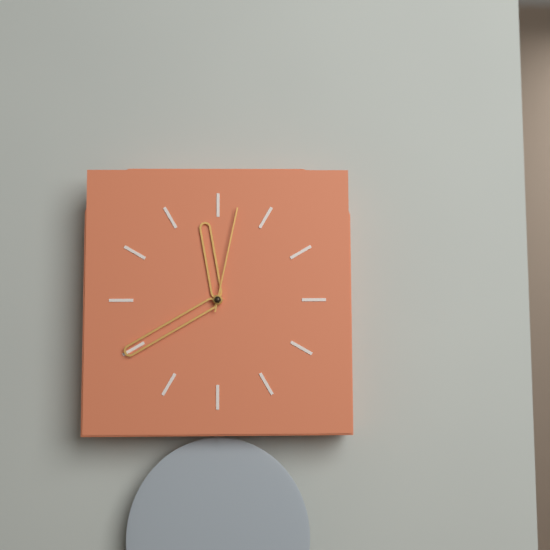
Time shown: {"hour": 11, "minute": 40, "second": 2}
